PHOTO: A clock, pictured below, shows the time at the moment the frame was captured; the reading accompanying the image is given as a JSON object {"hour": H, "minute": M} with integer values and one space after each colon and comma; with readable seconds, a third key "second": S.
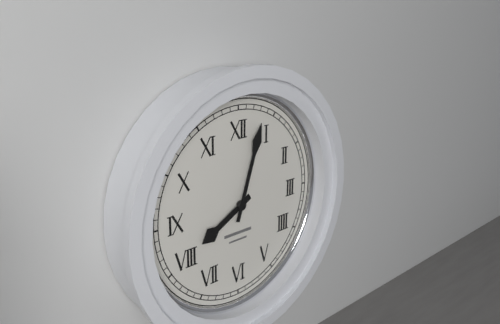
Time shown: {"hour": 8, "minute": 3}
